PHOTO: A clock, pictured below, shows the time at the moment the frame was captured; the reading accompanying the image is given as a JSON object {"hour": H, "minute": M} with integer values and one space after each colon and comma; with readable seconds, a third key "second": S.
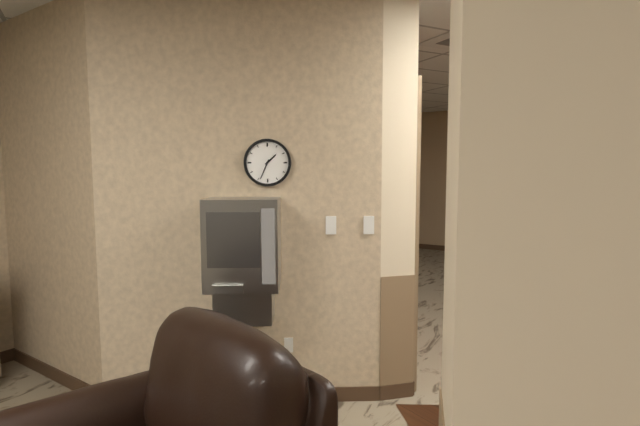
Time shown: {"hour": 1, "minute": 34}
